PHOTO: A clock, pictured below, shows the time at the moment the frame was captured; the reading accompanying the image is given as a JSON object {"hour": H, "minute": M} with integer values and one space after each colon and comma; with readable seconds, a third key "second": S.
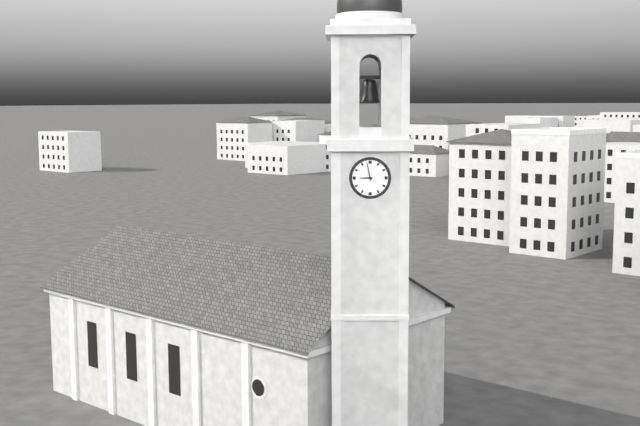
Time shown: {"hour": 8, "minute": 58}
